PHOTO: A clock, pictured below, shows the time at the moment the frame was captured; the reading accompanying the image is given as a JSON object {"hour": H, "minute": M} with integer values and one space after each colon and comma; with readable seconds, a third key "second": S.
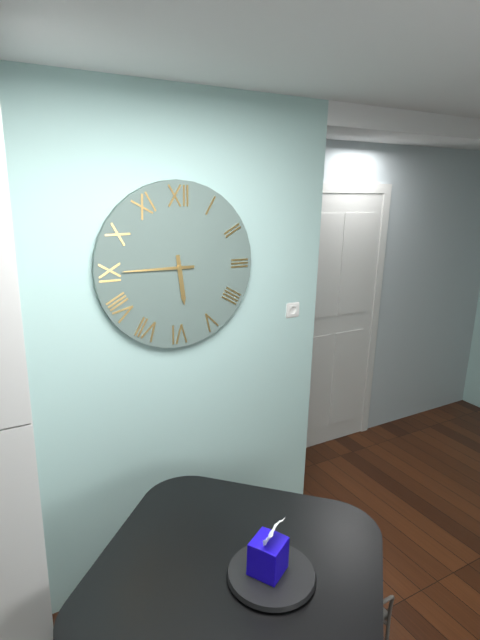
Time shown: {"hour": 5, "minute": 45}
